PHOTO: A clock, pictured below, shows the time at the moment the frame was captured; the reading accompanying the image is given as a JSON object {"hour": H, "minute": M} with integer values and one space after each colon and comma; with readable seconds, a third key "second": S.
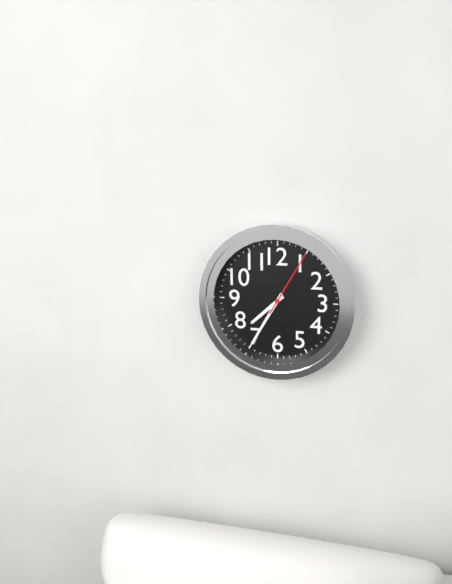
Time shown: {"hour": 7, "minute": 35, "second": 5}
